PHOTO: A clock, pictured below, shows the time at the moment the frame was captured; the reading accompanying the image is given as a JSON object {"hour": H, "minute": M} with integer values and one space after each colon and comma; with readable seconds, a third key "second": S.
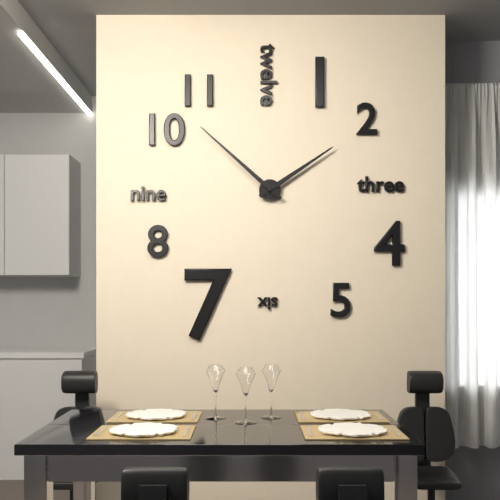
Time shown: {"hour": 1, "minute": 52}
